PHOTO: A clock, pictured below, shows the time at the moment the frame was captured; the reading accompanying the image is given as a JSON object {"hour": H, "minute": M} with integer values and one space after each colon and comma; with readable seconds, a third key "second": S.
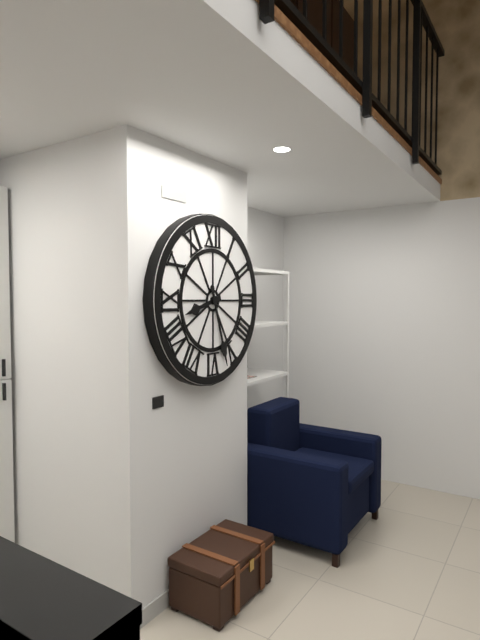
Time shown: {"hour": 8, "minute": 27}
